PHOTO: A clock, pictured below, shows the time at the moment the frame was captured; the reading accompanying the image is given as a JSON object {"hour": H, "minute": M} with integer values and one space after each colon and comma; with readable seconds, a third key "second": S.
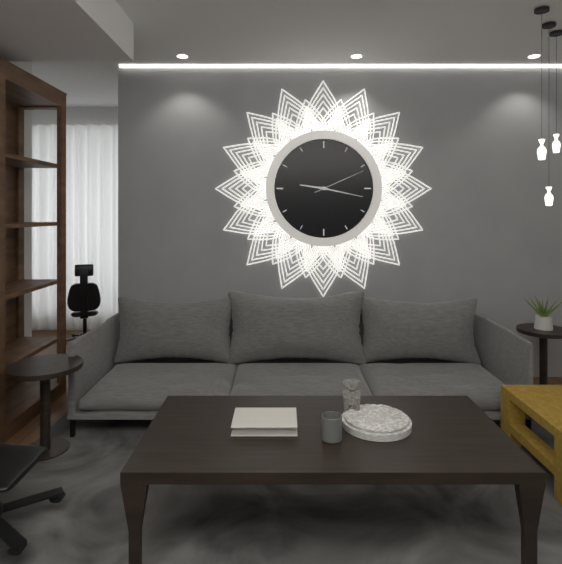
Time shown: {"hour": 9, "minute": 17, "second": 11}
